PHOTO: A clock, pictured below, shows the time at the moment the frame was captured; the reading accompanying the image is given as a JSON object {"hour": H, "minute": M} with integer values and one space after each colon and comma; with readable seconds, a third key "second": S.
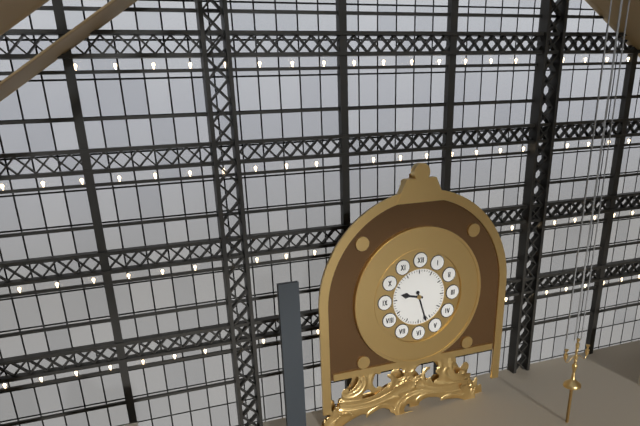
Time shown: {"hour": 9, "minute": 27}
